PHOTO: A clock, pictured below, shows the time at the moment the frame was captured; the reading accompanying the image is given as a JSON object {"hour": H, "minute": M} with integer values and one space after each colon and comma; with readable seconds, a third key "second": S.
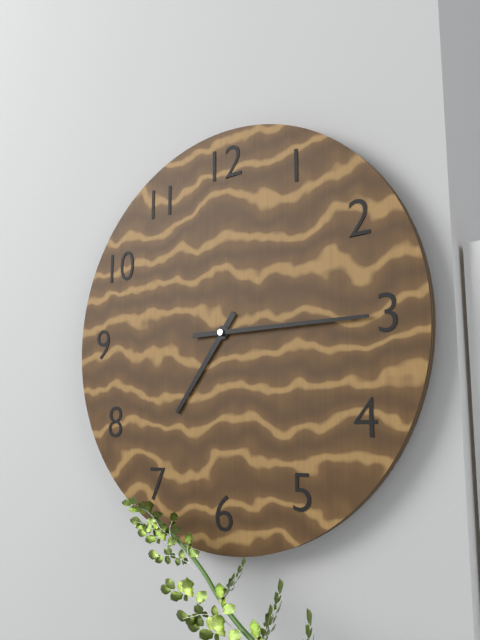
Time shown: {"hour": 7, "minute": 15}
